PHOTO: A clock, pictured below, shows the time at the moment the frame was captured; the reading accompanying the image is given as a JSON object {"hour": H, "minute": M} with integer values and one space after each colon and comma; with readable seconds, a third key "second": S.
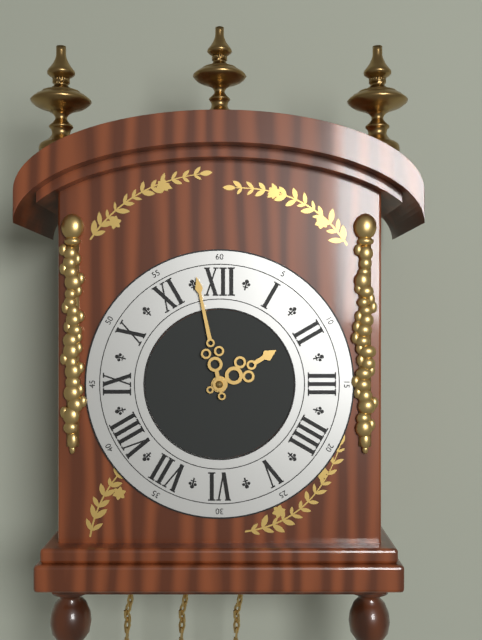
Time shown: {"hour": 1, "minute": 58}
